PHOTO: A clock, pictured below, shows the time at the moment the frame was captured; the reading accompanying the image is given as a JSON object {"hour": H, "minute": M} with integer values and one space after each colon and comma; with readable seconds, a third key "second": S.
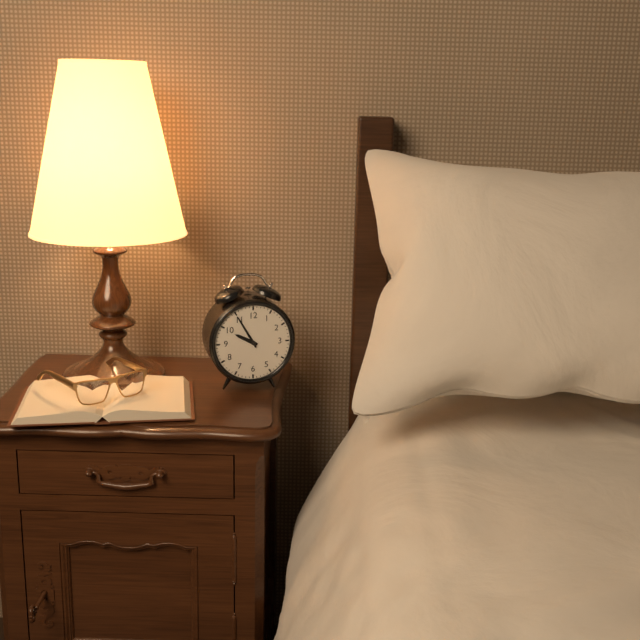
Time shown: {"hour": 9, "minute": 55}
